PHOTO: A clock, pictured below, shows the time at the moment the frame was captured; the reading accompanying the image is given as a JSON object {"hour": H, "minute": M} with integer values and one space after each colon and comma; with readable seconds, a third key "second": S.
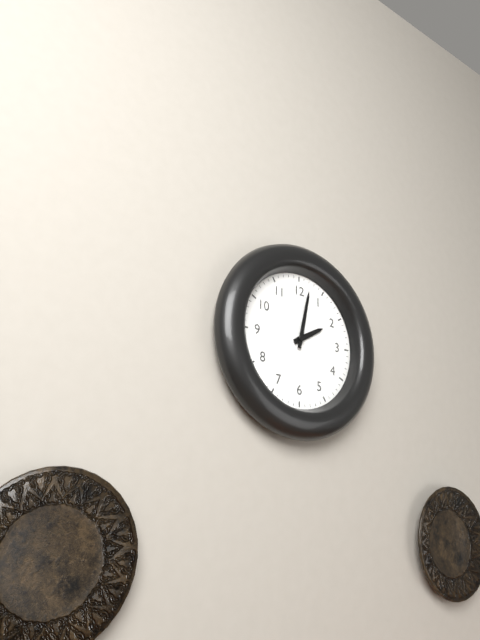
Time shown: {"hour": 2, "minute": 2}
